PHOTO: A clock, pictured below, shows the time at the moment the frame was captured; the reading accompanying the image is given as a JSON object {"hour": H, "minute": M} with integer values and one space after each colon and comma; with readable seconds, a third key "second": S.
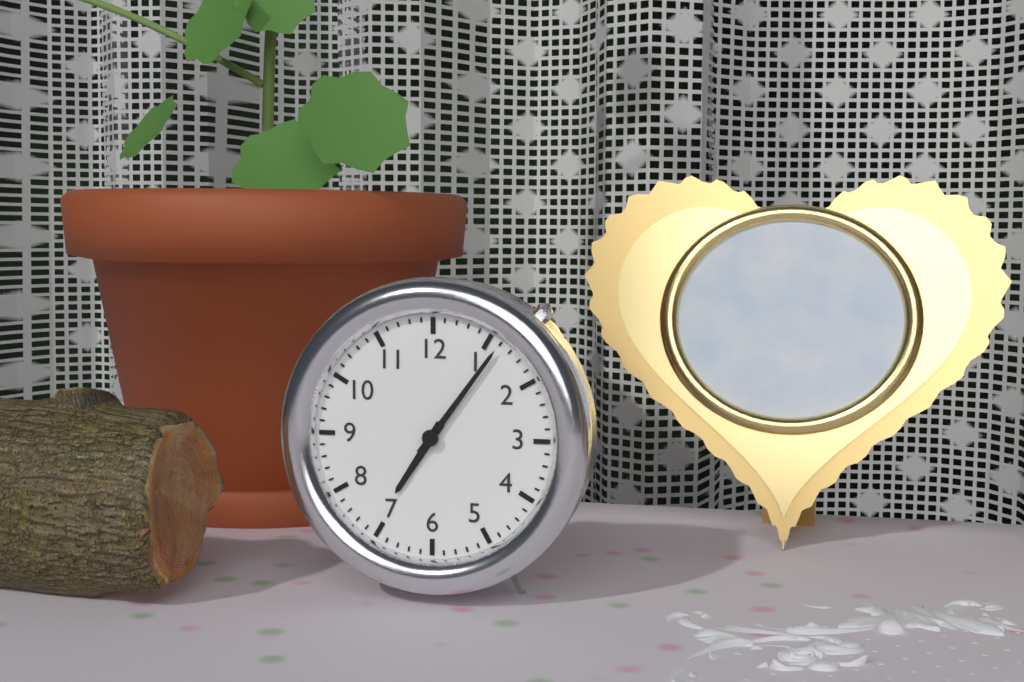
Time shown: {"hour": 7, "minute": 6}
